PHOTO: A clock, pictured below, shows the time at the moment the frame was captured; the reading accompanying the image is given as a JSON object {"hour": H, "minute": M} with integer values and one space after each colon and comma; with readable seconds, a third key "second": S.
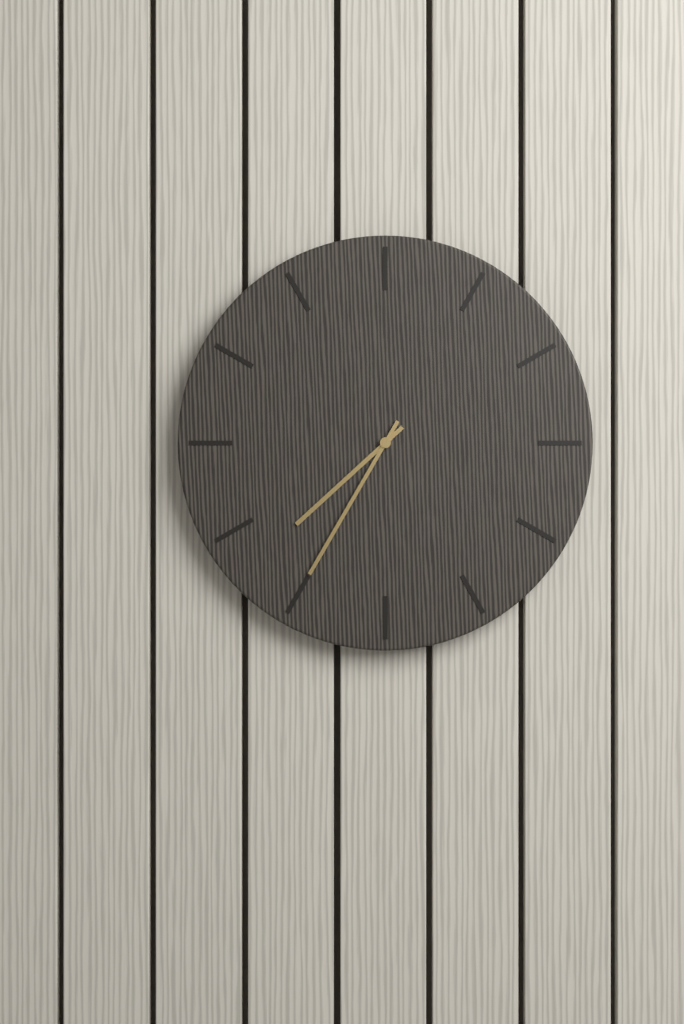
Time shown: {"hour": 7, "minute": 35}
